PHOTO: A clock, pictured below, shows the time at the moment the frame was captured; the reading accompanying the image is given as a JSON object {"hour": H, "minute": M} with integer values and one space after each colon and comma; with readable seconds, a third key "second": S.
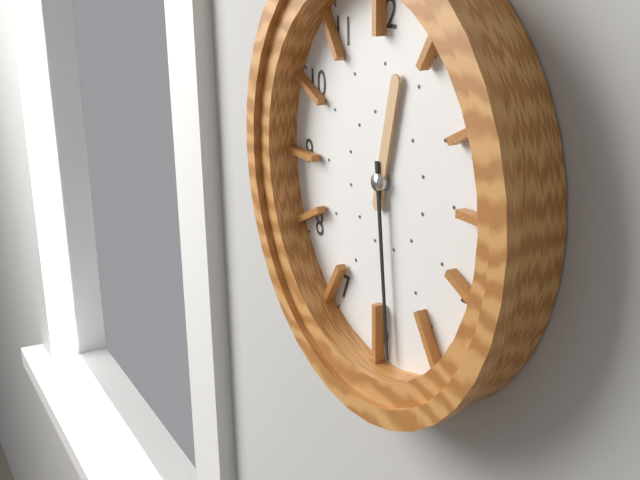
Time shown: {"hour": 12, "minute": 29}
